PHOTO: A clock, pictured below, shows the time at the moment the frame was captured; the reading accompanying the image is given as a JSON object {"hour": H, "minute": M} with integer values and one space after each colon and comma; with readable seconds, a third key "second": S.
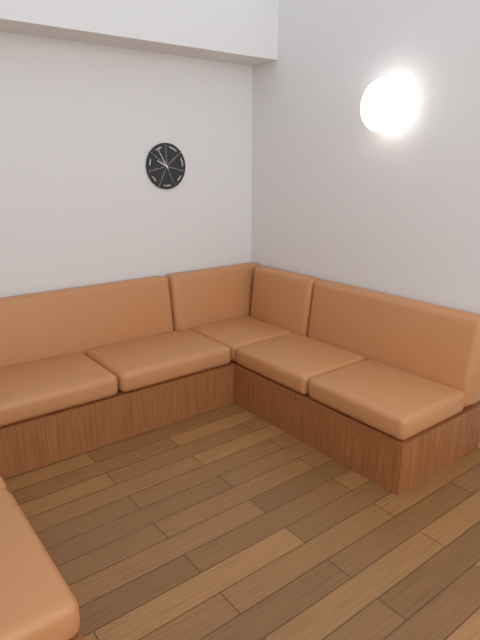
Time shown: {"hour": 9, "minute": 55}
